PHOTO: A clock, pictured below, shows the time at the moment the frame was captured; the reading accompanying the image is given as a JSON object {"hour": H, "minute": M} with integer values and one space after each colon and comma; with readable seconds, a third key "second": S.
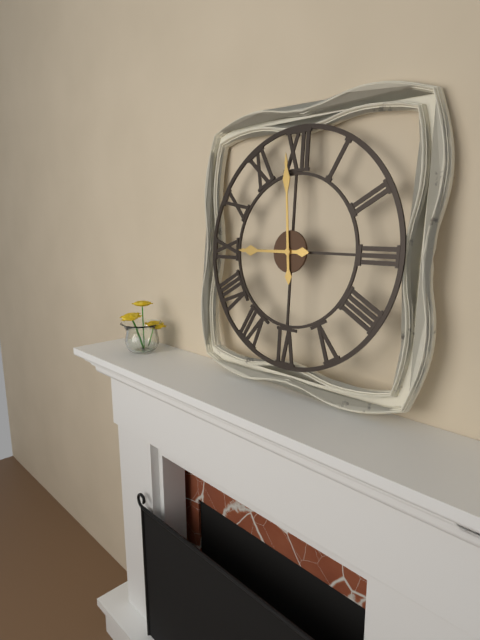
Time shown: {"hour": 8, "minute": 59}
